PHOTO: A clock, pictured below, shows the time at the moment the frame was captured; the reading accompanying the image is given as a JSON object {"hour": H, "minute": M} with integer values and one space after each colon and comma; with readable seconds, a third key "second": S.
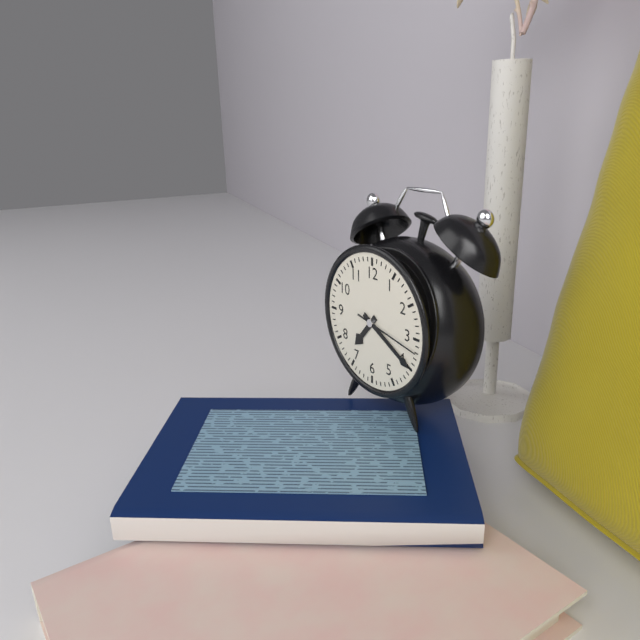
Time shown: {"hour": 7, "minute": 20, "second": 17}
